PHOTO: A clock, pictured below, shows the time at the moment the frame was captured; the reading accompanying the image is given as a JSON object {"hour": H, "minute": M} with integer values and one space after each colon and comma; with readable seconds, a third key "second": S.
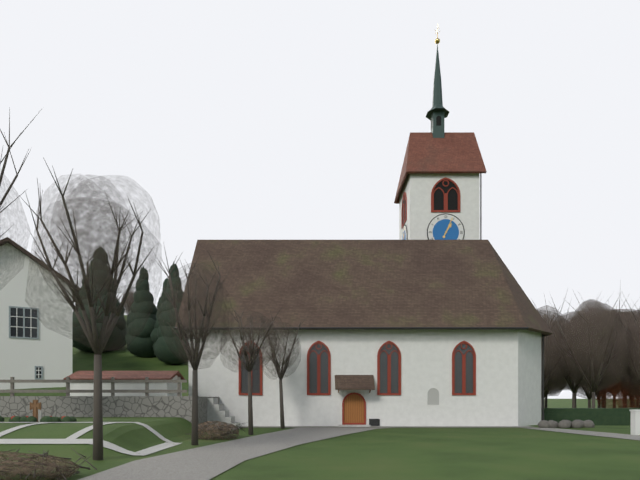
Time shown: {"hour": 1, "minute": 4}
